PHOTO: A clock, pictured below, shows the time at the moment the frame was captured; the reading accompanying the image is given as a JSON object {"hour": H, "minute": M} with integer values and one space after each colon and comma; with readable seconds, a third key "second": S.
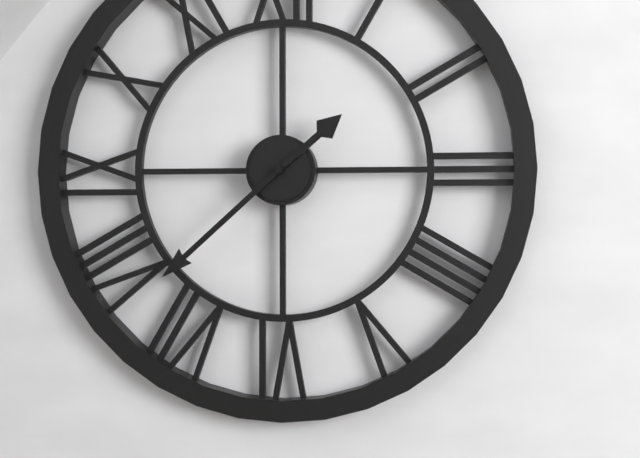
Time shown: {"hour": 1, "minute": 38}
